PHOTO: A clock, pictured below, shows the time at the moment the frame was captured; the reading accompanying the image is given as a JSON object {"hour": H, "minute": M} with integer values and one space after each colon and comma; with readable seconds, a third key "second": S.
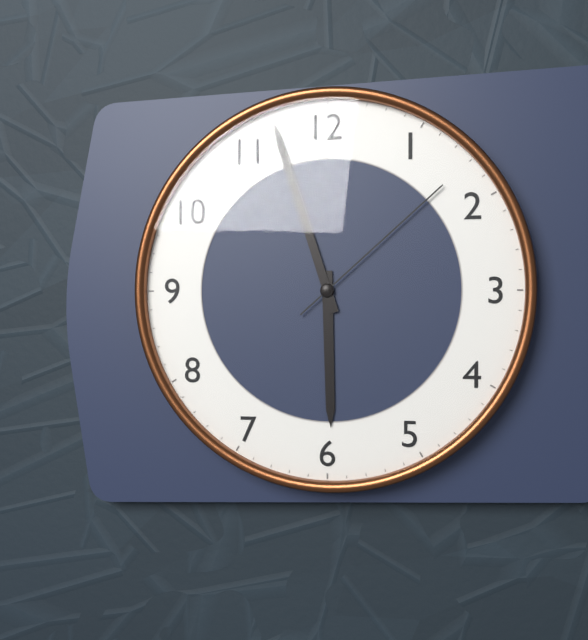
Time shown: {"hour": 5, "minute": 57, "second": 8}
